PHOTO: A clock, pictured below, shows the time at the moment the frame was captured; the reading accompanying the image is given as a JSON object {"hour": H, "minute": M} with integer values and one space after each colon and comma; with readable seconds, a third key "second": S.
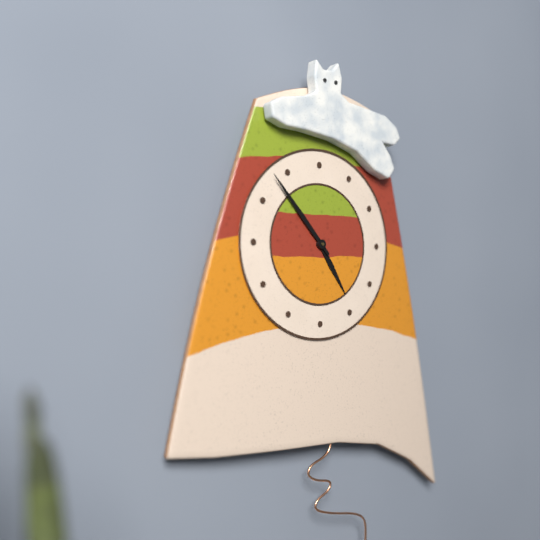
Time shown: {"hour": 4, "minute": 53}
